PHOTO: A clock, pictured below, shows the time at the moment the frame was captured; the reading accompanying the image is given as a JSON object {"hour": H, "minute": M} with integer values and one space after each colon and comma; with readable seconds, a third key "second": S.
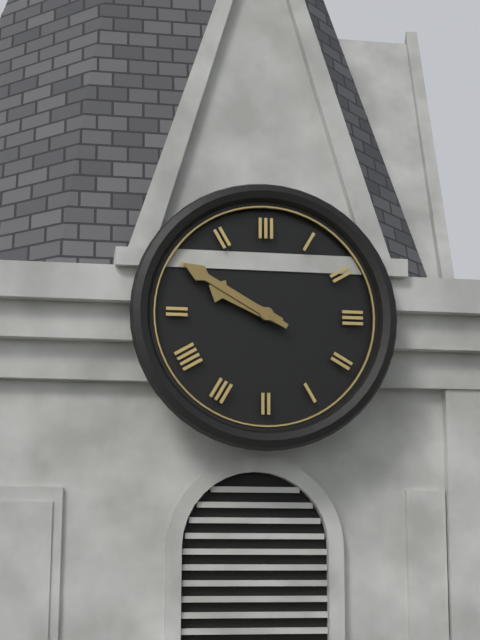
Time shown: {"hour": 9, "minute": 50}
